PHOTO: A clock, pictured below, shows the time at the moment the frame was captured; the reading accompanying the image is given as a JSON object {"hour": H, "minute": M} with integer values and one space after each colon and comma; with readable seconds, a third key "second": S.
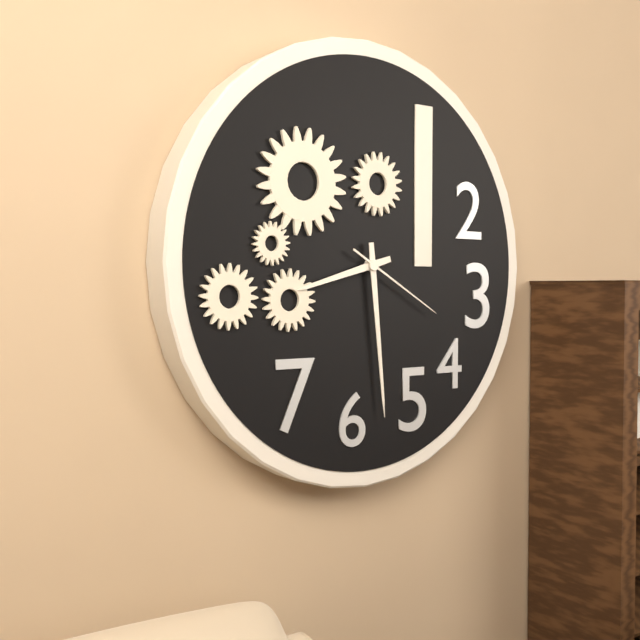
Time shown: {"hour": 8, "minute": 29, "second": 20}
